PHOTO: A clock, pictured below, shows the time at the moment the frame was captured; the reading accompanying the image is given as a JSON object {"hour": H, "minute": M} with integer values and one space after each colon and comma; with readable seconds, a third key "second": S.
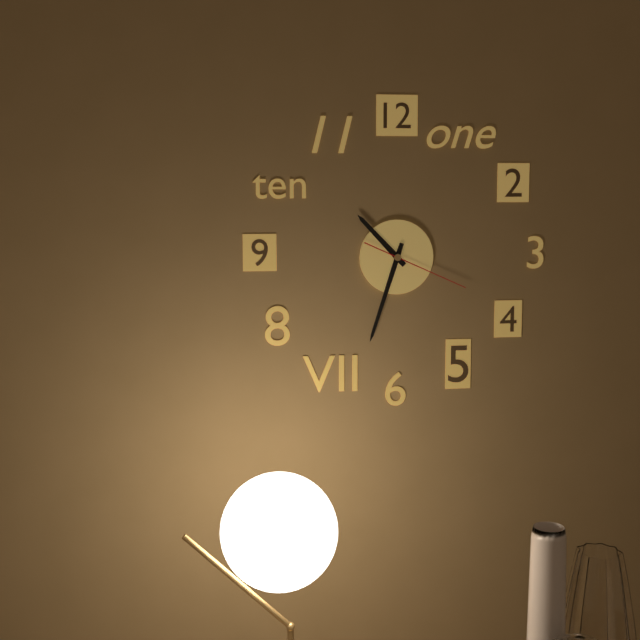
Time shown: {"hour": 10, "minute": 33, "second": 19}
